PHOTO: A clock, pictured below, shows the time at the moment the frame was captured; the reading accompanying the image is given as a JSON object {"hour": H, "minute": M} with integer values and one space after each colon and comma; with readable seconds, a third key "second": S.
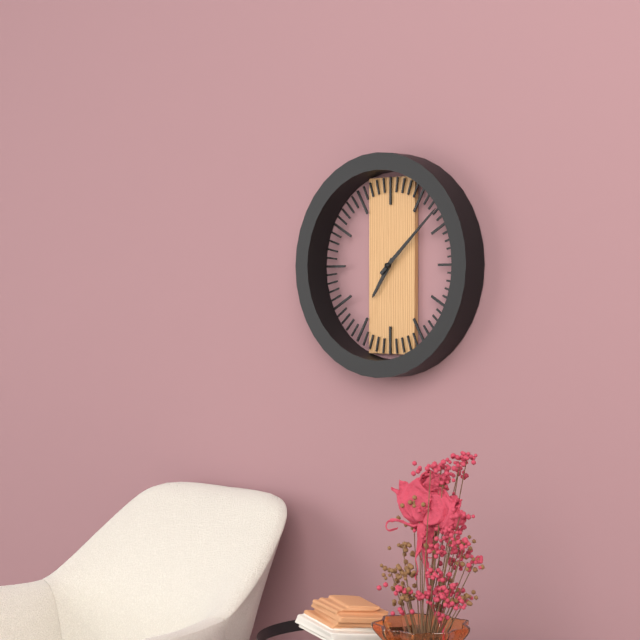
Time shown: {"hour": 7, "minute": 8}
